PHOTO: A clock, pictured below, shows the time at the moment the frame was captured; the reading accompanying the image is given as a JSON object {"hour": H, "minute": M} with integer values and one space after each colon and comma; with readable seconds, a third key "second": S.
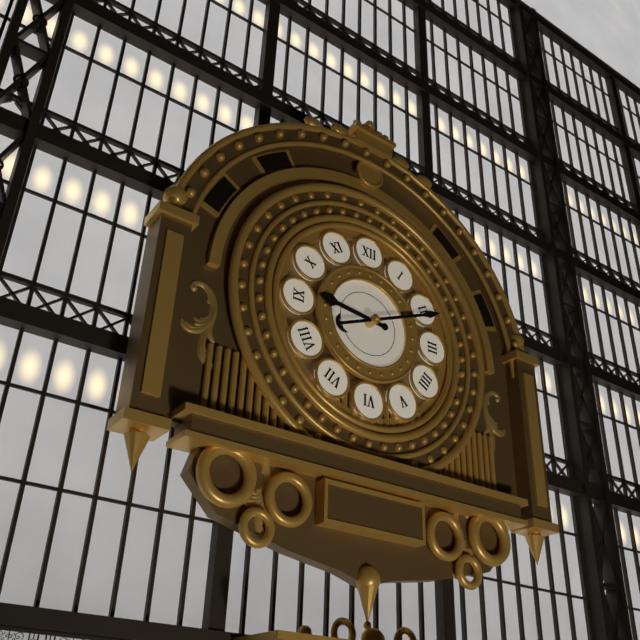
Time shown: {"hour": 9, "minute": 11}
